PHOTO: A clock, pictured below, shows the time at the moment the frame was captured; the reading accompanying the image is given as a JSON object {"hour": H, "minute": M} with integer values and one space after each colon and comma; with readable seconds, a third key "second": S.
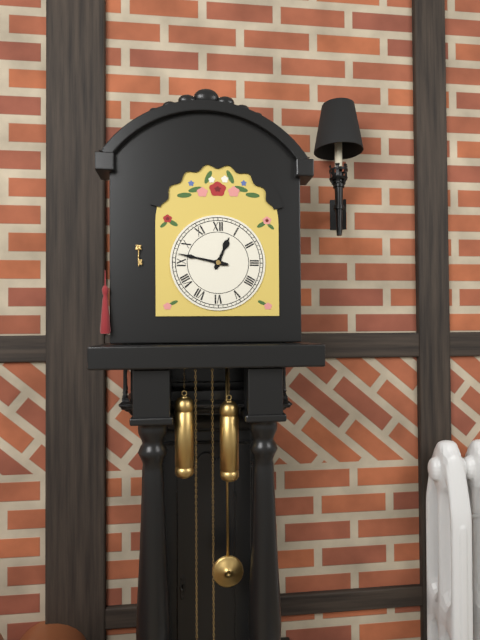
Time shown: {"hour": 12, "minute": 47}
